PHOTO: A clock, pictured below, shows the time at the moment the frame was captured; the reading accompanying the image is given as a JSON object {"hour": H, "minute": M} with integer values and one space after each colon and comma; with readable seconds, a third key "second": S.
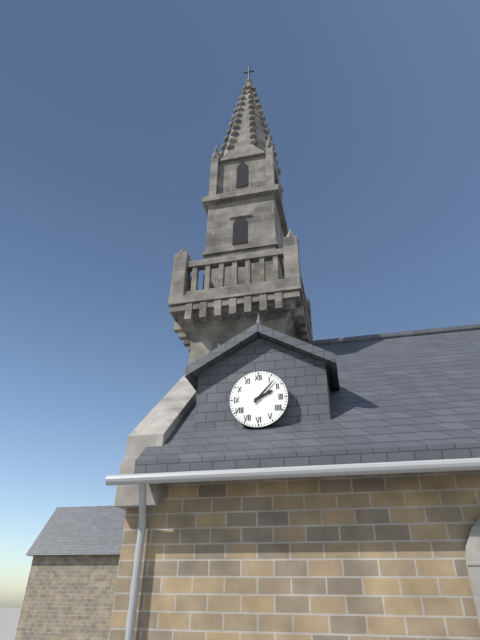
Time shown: {"hour": 2, "minute": 7}
